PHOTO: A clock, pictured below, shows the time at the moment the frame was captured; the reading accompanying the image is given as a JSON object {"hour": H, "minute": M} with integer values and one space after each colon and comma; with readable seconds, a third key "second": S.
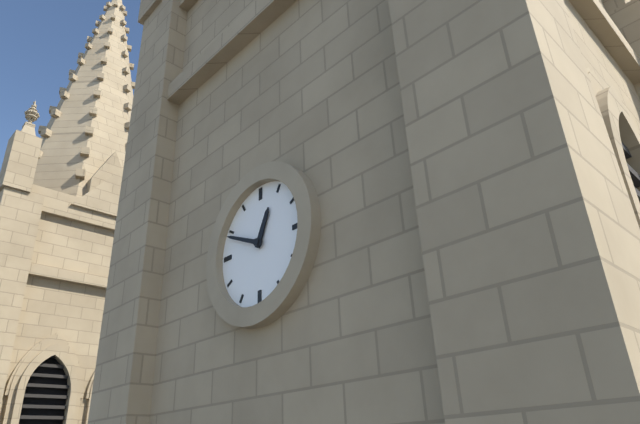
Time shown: {"hour": 12, "minute": 49}
